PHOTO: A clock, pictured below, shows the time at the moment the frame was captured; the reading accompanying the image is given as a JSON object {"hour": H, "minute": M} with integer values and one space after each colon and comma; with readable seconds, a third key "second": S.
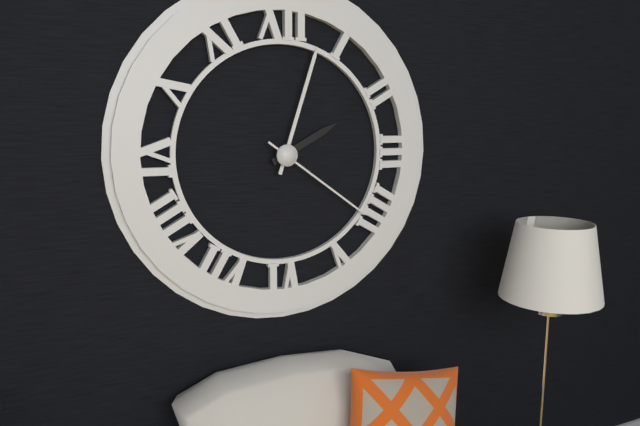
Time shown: {"hour": 2, "minute": 3, "second": 21}
